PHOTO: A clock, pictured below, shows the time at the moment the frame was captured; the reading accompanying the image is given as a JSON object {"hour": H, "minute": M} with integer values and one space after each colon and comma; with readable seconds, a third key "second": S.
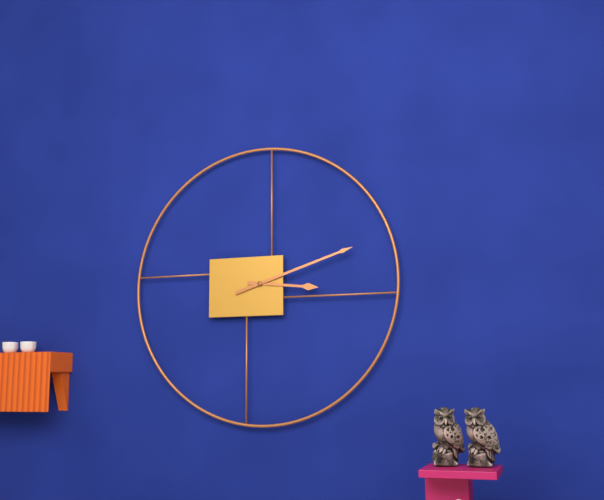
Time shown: {"hour": 3, "minute": 12}
